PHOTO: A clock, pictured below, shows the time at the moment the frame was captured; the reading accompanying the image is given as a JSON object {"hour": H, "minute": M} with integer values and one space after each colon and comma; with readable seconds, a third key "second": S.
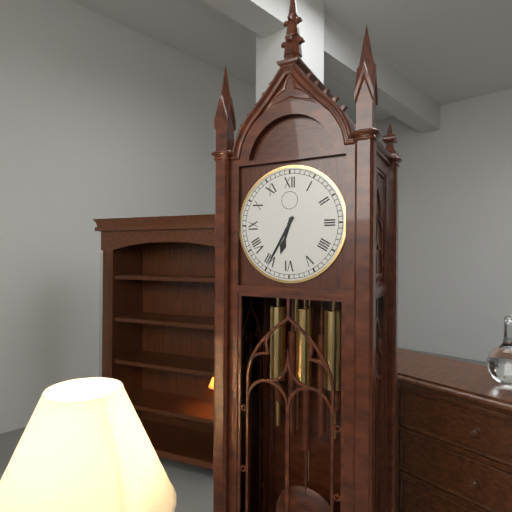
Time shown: {"hour": 6, "minute": 35}
